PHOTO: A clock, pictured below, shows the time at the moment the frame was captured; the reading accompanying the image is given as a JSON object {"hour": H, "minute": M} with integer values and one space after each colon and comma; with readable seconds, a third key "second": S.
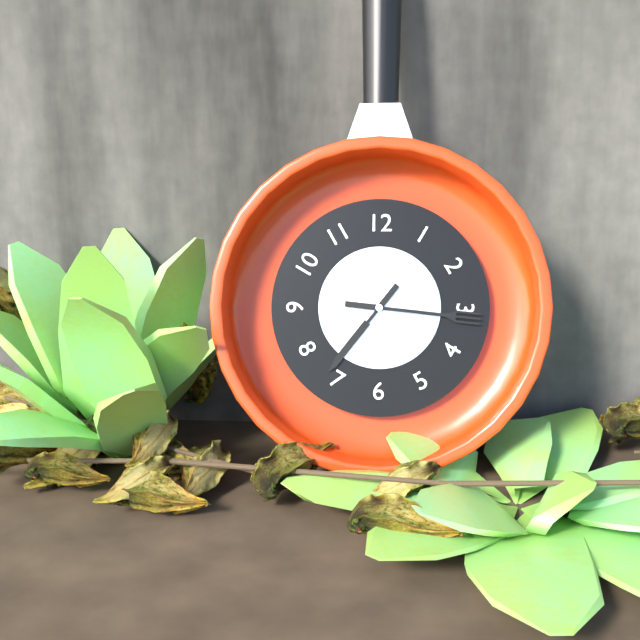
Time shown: {"hour": 7, "minute": 16}
